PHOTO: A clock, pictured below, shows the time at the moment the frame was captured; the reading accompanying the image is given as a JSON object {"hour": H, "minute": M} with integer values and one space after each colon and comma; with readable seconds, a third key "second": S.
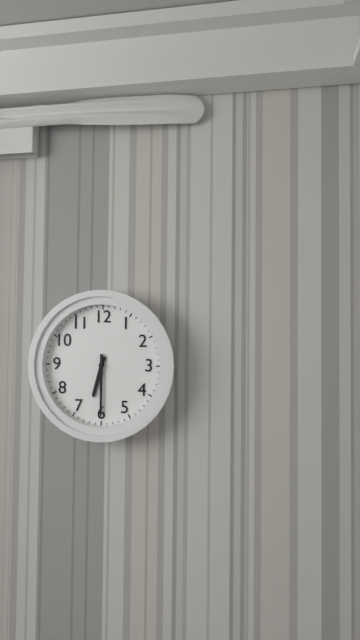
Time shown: {"hour": 6, "minute": 30}
